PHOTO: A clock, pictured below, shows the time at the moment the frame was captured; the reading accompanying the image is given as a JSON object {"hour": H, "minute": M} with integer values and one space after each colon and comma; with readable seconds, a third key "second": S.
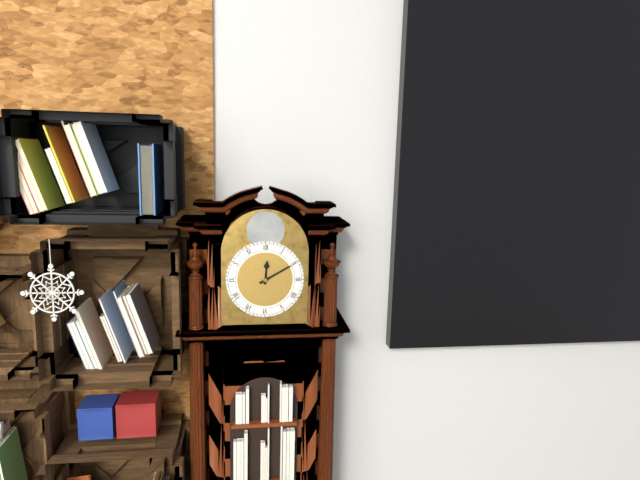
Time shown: {"hour": 12, "minute": 10}
